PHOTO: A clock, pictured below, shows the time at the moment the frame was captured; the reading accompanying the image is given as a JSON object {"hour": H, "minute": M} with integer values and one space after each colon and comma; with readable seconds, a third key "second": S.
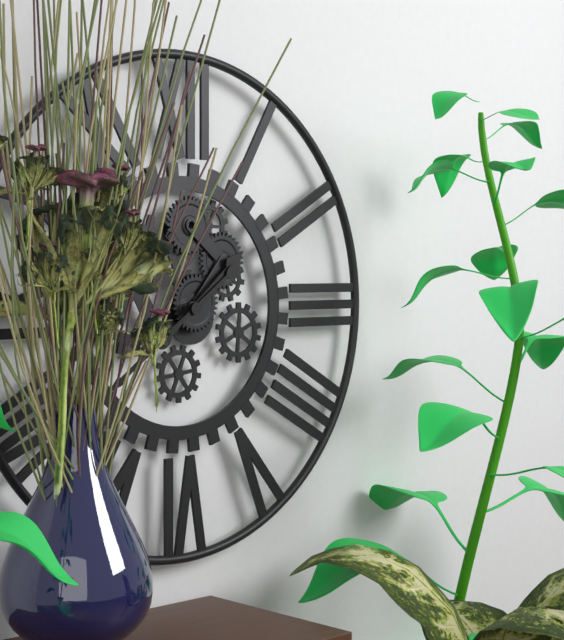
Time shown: {"hour": 1, "minute": 39}
